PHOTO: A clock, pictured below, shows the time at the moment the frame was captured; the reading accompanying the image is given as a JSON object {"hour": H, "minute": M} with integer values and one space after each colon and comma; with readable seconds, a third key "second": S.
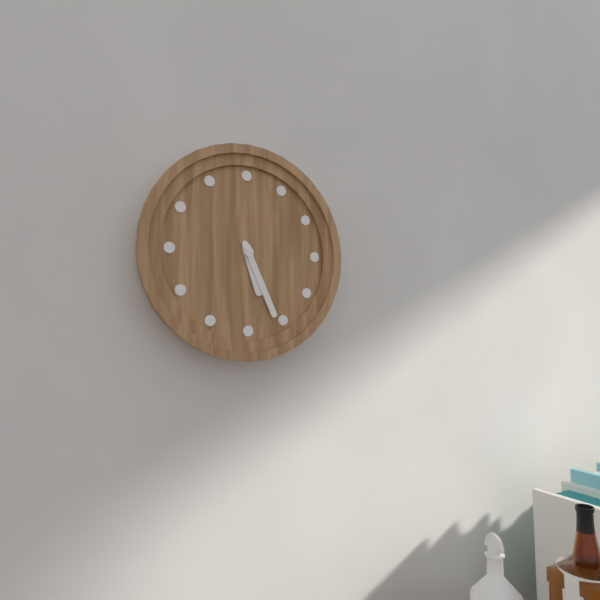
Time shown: {"hour": 5, "minute": 26}
